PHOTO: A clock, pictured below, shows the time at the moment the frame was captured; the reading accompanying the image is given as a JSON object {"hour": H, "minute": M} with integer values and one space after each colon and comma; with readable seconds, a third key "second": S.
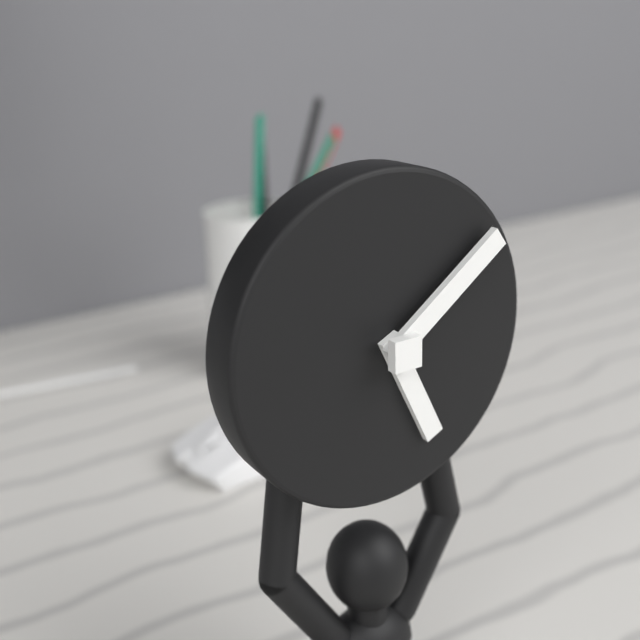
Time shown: {"hour": 5, "minute": 9}
